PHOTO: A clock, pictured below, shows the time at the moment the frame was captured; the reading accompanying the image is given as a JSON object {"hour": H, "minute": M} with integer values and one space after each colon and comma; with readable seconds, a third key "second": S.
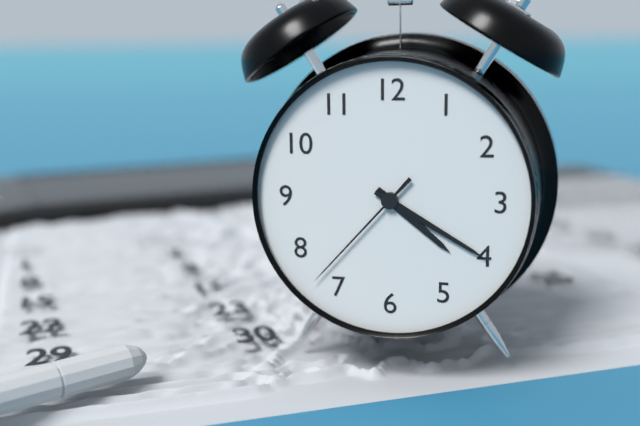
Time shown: {"hour": 4, "minute": 20, "second": 37}
